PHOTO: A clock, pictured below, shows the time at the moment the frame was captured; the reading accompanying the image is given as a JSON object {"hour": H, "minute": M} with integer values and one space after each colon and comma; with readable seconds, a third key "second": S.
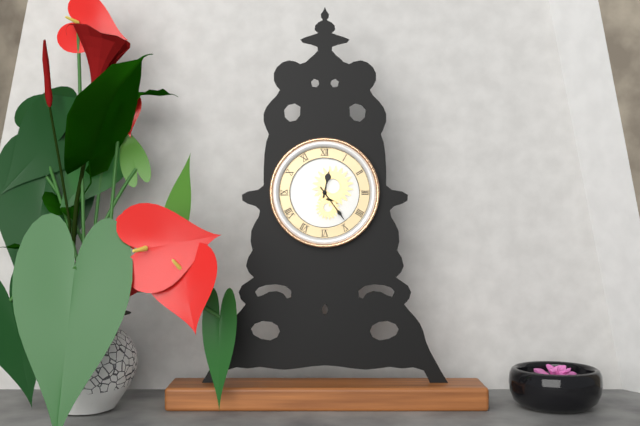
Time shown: {"hour": 12, "minute": 24}
